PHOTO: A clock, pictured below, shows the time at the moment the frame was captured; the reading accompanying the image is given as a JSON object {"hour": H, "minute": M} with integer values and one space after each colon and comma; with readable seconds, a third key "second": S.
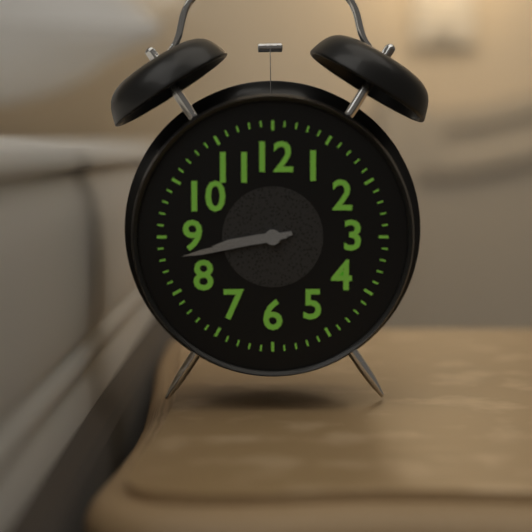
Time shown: {"hour": 8, "minute": 43}
